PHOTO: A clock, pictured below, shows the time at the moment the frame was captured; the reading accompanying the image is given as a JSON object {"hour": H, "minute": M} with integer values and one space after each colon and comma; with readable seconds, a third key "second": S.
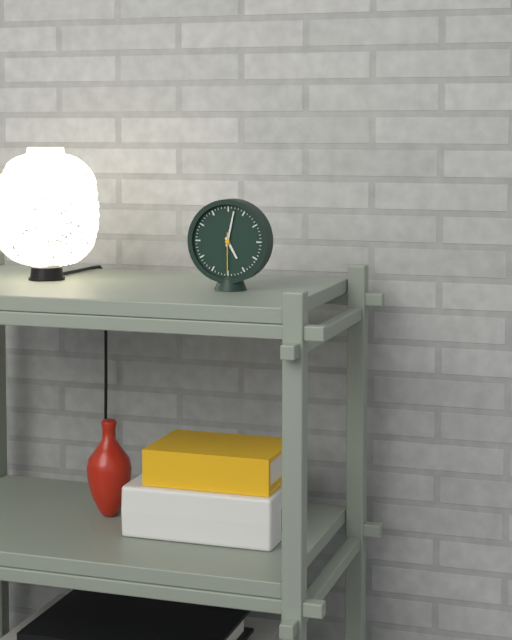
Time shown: {"hour": 5, "minute": 2}
